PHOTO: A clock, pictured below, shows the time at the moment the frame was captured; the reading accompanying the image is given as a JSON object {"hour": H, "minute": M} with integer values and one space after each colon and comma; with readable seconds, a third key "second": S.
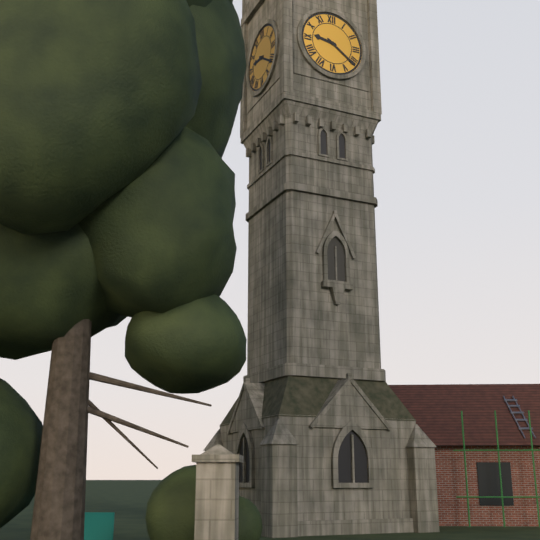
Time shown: {"hour": 9, "minute": 21}
